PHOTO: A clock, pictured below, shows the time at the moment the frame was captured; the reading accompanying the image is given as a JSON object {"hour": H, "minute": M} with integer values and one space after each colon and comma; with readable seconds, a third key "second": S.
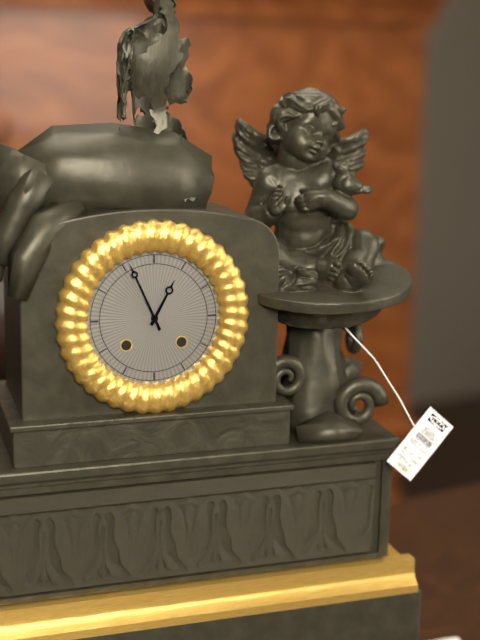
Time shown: {"hour": 12, "minute": 56}
